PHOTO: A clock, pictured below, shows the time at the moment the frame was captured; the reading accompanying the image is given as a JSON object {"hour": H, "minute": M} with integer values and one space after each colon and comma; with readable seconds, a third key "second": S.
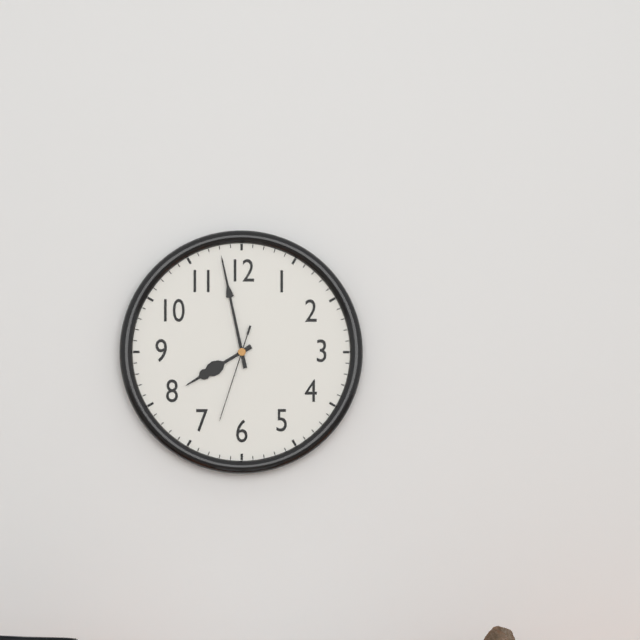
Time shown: {"hour": 7, "minute": 58, "second": 33}
